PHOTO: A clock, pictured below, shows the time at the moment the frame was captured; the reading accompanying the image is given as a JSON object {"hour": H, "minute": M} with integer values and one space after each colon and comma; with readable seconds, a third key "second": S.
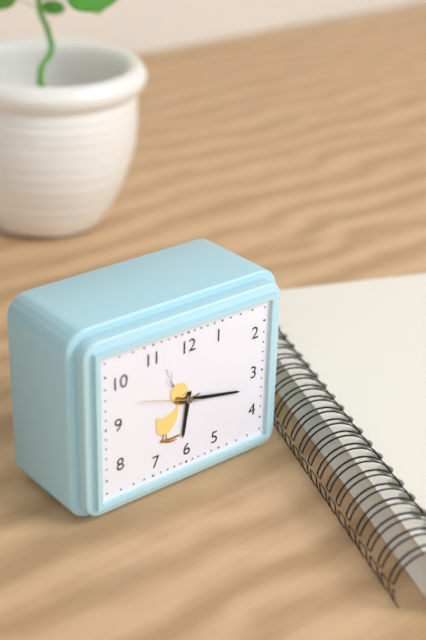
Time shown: {"hour": 6, "minute": 17}
